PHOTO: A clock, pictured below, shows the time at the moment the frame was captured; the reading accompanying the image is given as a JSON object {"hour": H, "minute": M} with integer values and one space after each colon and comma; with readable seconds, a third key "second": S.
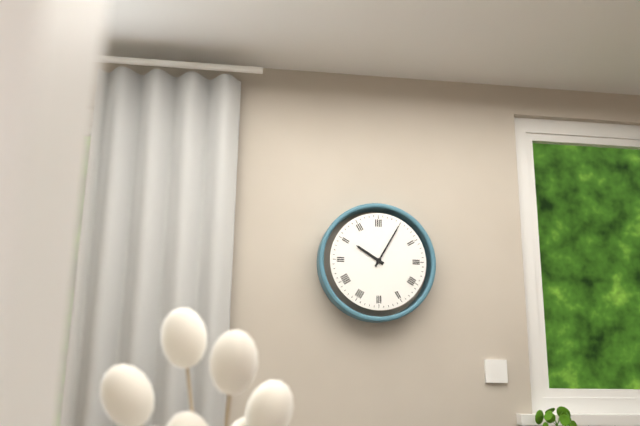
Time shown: {"hour": 10, "minute": 5}
